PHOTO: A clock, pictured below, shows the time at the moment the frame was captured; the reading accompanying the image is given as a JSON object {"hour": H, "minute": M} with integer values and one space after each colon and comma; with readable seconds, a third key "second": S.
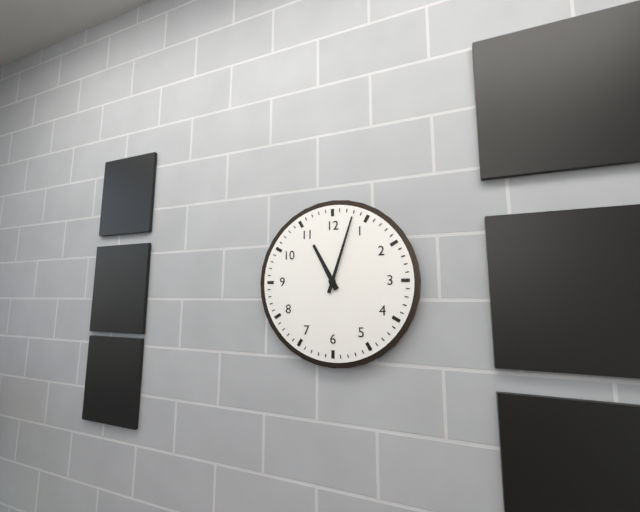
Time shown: {"hour": 11, "minute": 3}
